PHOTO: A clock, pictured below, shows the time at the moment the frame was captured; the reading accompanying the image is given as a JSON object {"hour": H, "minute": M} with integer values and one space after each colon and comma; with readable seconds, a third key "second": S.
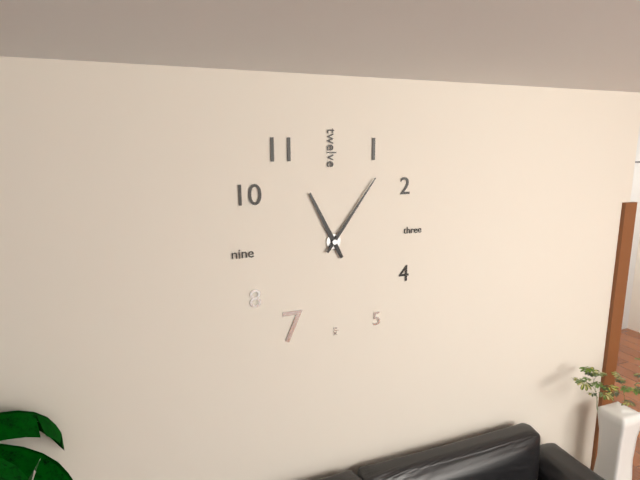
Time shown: {"hour": 11, "minute": 6}
